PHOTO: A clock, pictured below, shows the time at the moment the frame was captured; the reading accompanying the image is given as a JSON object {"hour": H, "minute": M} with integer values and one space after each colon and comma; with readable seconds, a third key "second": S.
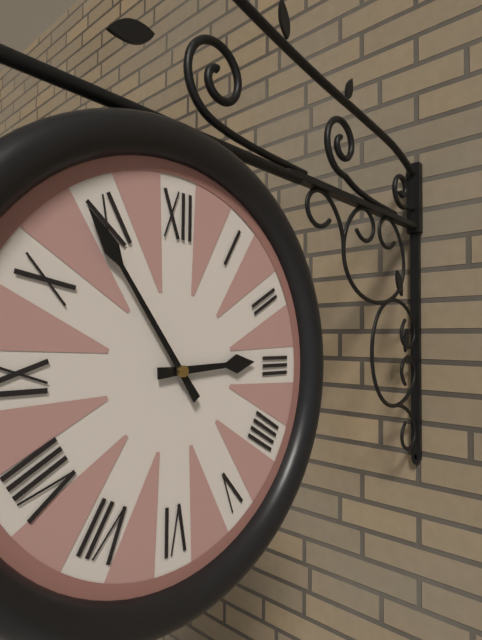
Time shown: {"hour": 2, "minute": 54}
